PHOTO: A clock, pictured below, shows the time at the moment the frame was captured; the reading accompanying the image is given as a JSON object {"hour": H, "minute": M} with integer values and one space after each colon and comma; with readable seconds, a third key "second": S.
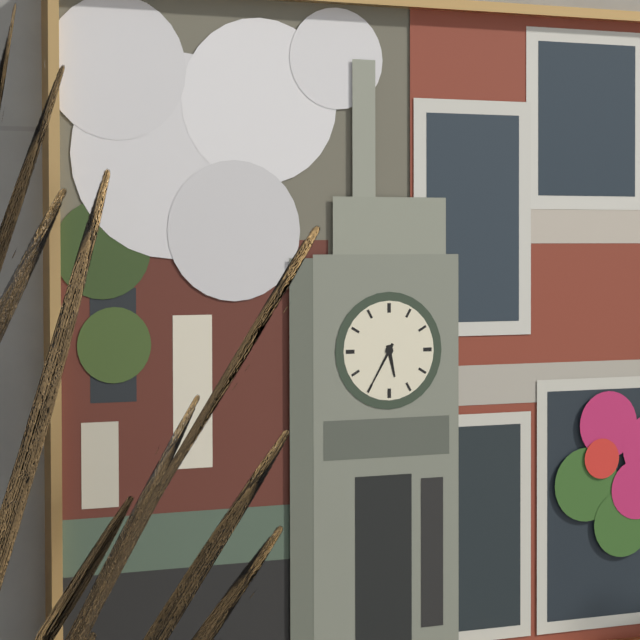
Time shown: {"hour": 5, "minute": 35}
